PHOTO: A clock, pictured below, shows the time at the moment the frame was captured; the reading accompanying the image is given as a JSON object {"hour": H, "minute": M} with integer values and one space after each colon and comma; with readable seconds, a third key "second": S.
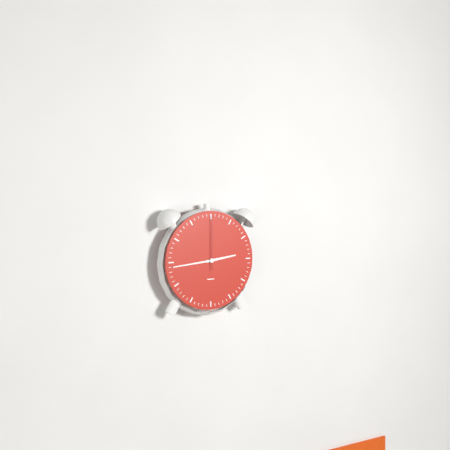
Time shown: {"hour": 2, "minute": 44, "second": 0}
